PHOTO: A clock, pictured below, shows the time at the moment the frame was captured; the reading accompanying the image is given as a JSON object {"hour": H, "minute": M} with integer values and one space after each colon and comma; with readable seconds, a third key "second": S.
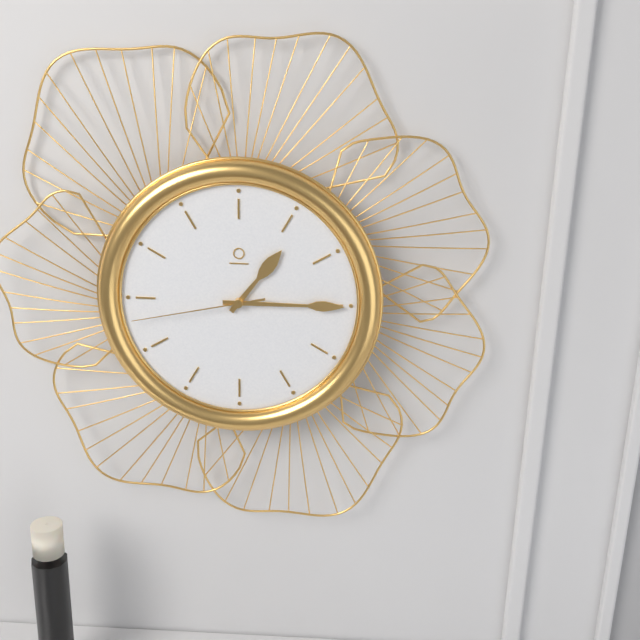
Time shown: {"hour": 1, "minute": 15, "second": 43}
